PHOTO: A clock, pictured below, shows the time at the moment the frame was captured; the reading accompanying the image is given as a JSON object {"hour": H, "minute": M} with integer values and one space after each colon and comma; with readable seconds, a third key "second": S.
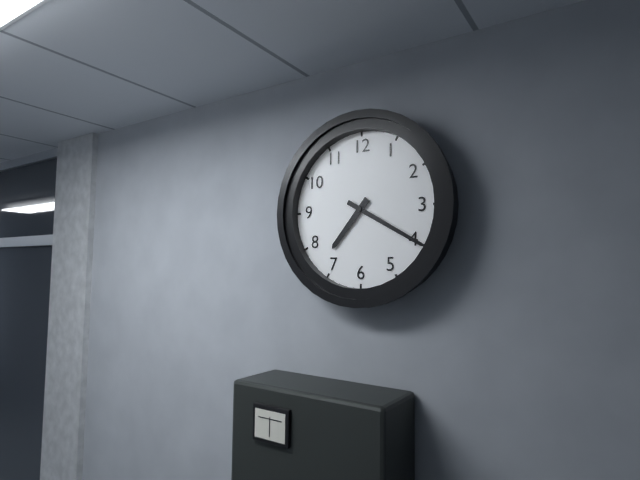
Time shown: {"hour": 7, "minute": 20}
